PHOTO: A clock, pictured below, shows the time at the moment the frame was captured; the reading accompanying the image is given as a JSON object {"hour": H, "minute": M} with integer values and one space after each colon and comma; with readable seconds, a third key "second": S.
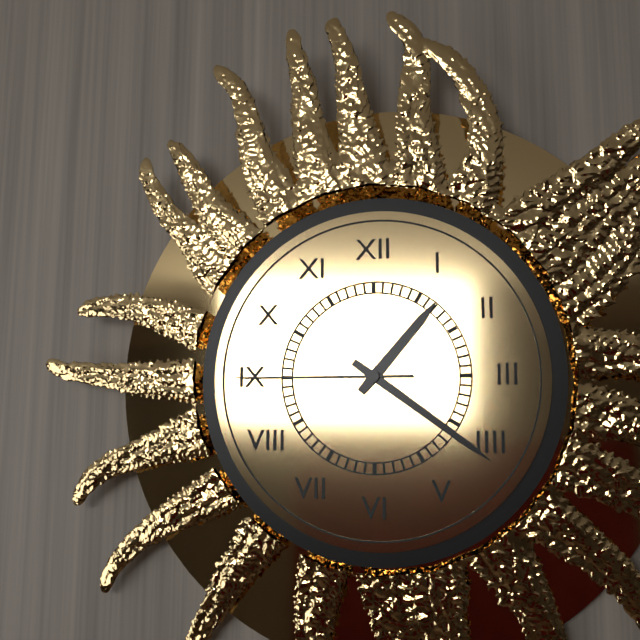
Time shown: {"hour": 1, "minute": 21, "second": 45}
